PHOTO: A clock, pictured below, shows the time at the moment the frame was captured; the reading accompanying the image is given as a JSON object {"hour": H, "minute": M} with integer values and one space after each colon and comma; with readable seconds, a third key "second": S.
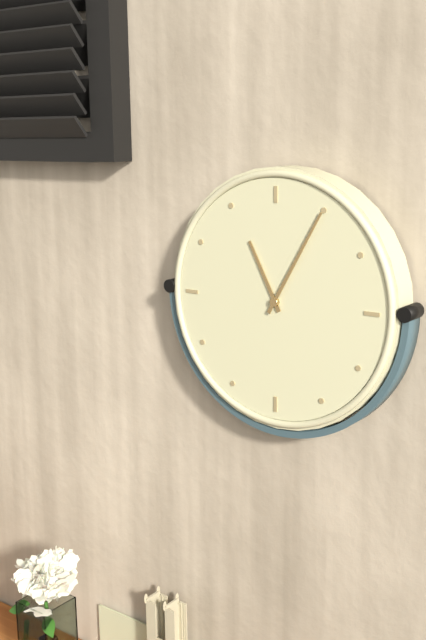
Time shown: {"hour": 11, "minute": 5}
